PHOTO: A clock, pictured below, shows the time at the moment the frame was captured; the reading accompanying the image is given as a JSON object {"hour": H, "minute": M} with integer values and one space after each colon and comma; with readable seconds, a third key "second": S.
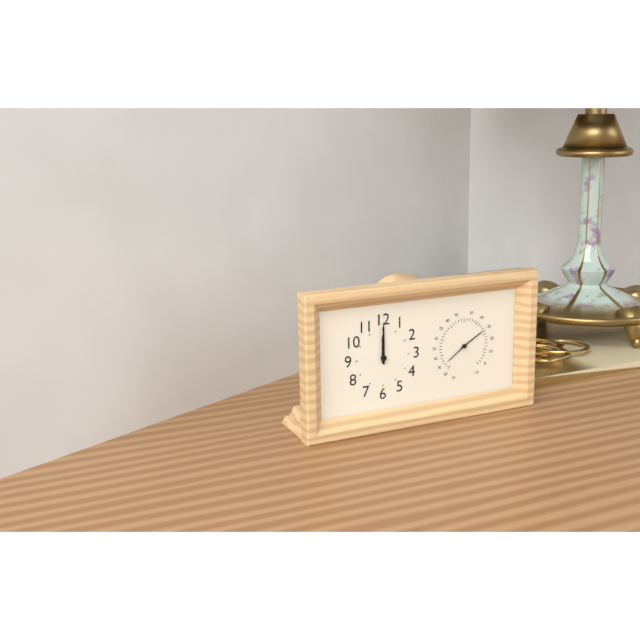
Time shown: {"hour": 12, "minute": 0}
